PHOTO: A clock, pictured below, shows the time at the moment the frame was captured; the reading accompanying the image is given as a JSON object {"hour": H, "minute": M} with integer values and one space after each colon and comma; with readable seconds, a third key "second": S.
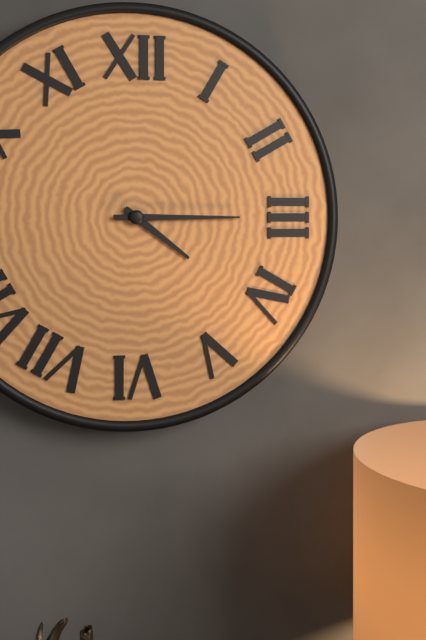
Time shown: {"hour": 4, "minute": 15}
